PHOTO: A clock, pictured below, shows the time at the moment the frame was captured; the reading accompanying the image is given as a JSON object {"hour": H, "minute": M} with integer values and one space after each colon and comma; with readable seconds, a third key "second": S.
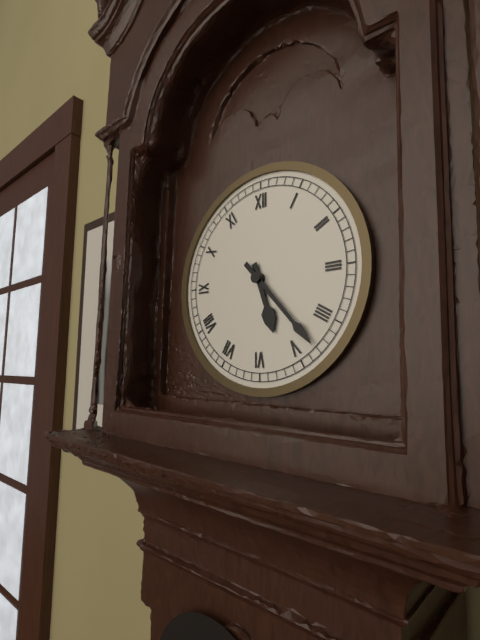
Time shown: {"hour": 5, "minute": 23}
